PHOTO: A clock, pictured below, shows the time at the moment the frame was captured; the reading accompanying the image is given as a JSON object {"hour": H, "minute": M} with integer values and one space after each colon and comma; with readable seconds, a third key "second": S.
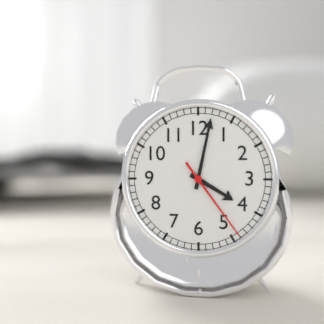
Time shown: {"hour": 4, "minute": 2, "second": 24}
